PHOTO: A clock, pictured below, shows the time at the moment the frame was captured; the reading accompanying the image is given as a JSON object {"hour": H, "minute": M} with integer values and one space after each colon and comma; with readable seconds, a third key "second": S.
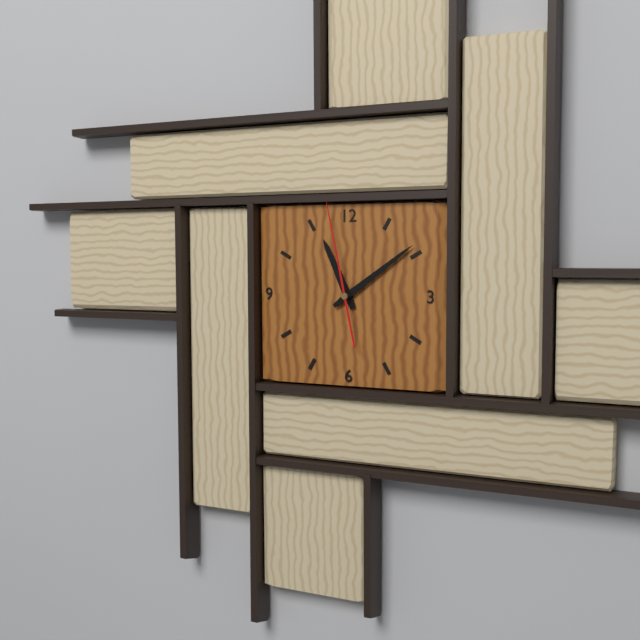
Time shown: {"hour": 11, "minute": 9, "second": 58}
